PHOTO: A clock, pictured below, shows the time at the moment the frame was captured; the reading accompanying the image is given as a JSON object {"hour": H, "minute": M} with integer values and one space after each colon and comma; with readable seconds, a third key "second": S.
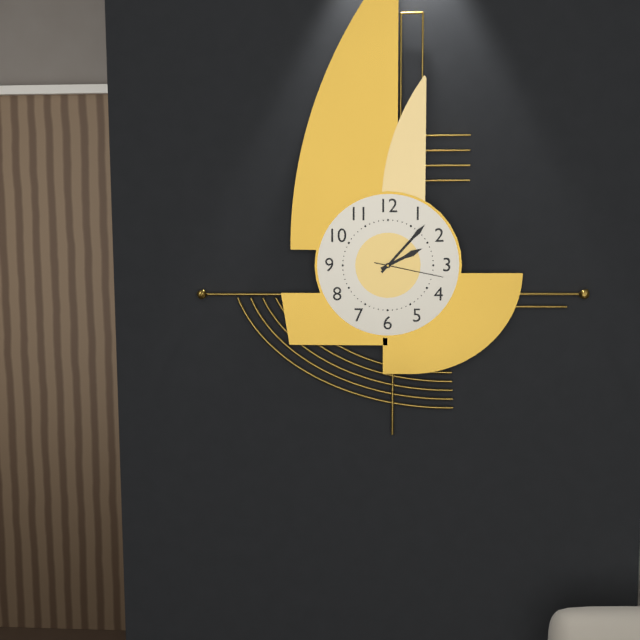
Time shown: {"hour": 2, "minute": 7, "second": 17}
